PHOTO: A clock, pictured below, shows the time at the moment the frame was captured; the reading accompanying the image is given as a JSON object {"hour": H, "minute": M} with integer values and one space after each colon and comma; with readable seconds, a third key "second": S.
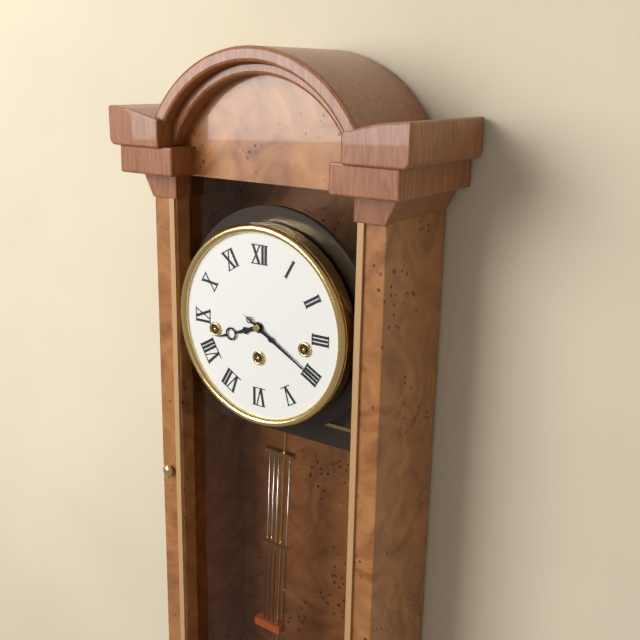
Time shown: {"hour": 8, "minute": 20}
